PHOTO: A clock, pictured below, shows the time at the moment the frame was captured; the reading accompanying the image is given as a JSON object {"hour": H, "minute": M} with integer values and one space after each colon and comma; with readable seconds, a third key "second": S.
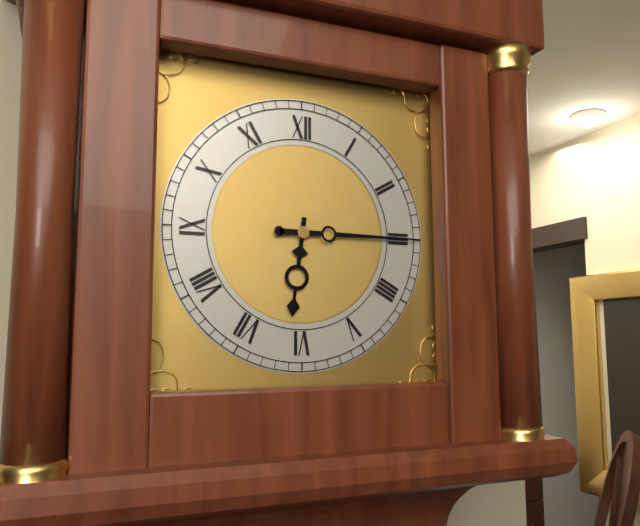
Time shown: {"hour": 6, "minute": 15}
